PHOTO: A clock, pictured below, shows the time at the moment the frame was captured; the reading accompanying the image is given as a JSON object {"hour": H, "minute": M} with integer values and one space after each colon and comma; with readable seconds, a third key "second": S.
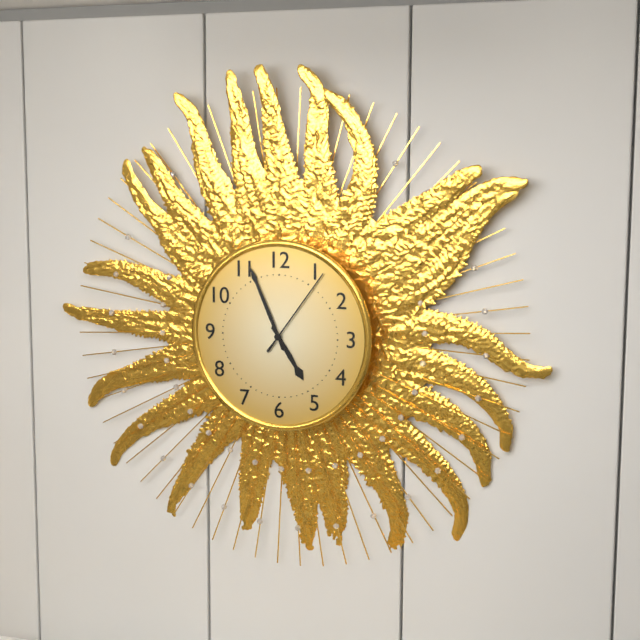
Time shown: {"hour": 4, "minute": 56, "second": 6}
